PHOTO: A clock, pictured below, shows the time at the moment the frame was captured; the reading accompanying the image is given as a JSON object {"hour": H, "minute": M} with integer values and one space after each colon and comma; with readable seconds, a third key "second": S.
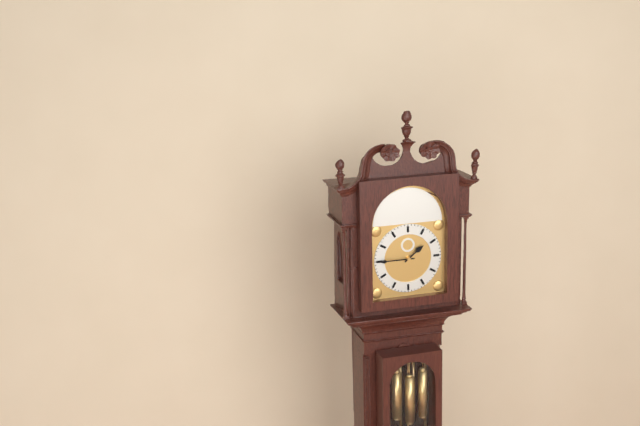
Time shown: {"hour": 1, "minute": 45}
